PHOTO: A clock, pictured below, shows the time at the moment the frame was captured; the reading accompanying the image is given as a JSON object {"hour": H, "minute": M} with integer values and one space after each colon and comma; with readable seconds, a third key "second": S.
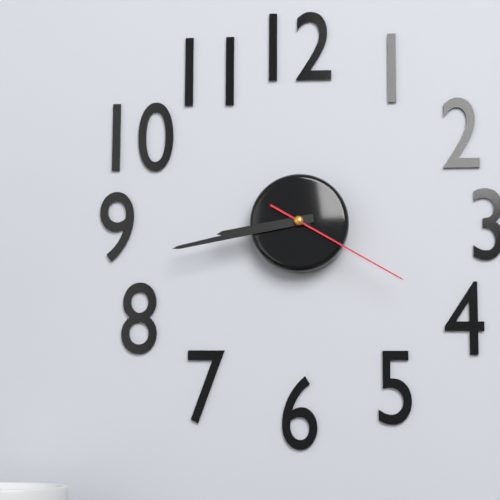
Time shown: {"hour": 8, "minute": 43, "second": 20}
